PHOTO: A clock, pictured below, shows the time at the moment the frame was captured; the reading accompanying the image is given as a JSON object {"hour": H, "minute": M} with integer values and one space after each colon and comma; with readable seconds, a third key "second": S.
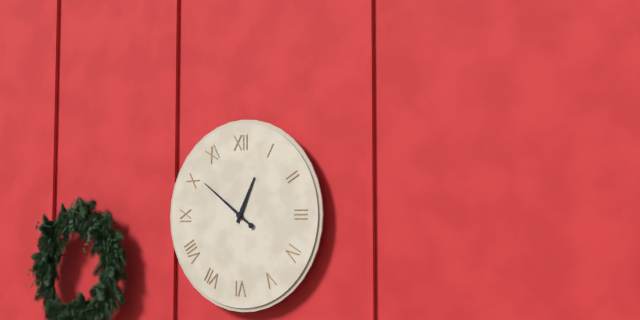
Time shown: {"hour": 12, "minute": 51}
